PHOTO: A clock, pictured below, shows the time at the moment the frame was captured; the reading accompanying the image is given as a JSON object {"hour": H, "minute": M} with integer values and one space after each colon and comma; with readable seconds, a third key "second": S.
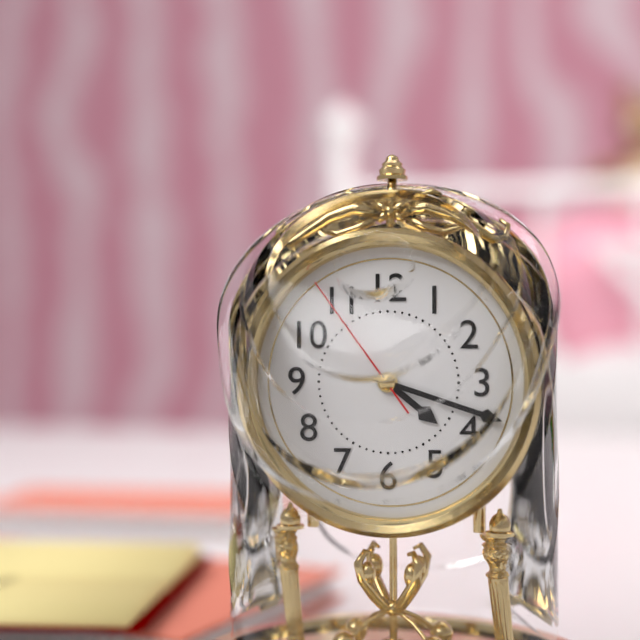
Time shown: {"hour": 4, "minute": 18, "second": 54}
